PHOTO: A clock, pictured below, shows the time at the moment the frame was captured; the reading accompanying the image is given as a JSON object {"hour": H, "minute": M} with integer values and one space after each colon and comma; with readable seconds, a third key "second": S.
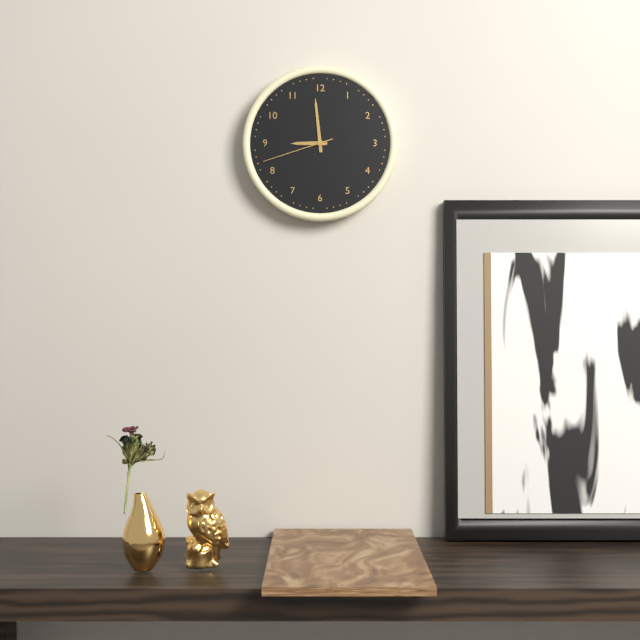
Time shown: {"hour": 8, "minute": 59, "second": 42}
